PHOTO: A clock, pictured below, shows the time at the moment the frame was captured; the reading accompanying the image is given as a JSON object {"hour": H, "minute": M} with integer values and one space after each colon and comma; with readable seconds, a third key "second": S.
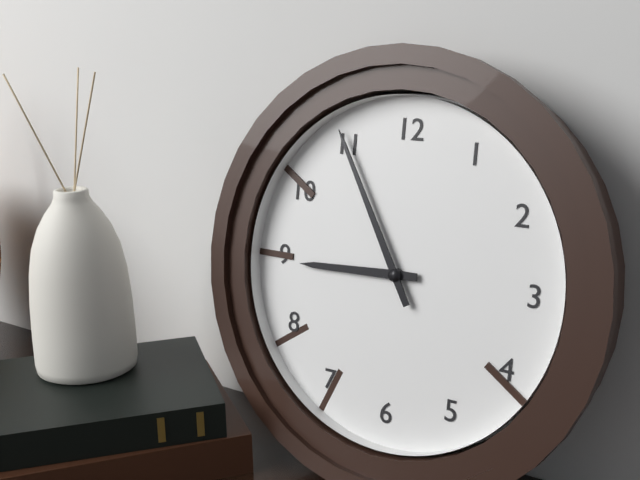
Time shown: {"hour": 8, "minute": 55}
